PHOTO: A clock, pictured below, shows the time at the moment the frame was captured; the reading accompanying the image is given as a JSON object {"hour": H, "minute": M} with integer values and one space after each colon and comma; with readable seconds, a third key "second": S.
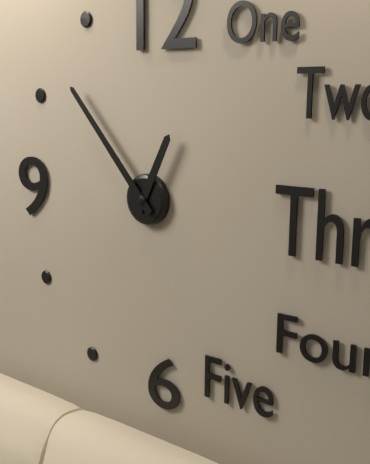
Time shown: {"hour": 12, "minute": 53}
